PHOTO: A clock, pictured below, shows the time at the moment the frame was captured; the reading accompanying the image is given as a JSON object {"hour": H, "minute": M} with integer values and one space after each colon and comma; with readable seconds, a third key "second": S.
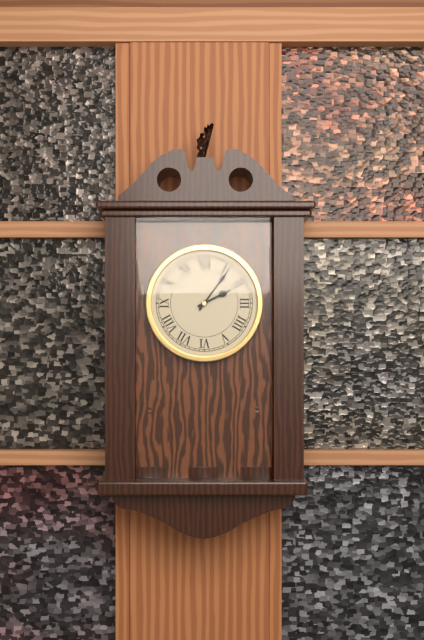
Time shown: {"hour": 2, "minute": 6}
